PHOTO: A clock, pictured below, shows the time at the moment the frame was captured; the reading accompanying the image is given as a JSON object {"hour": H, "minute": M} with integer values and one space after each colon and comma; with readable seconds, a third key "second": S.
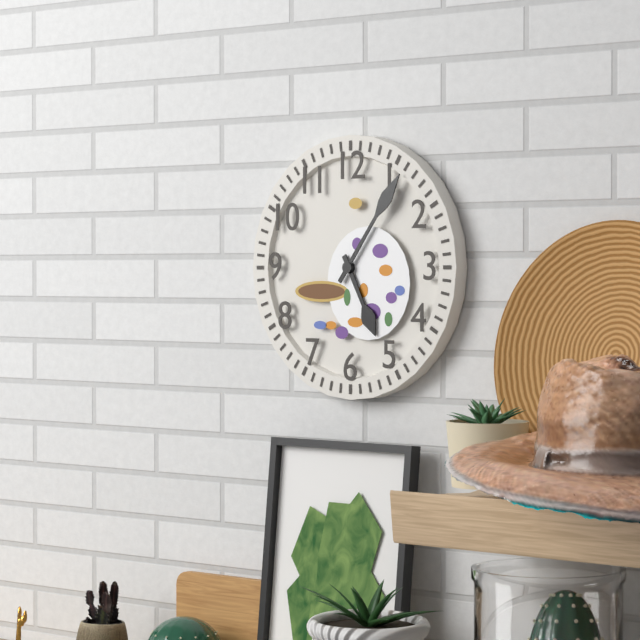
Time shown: {"hour": 5, "minute": 6}
